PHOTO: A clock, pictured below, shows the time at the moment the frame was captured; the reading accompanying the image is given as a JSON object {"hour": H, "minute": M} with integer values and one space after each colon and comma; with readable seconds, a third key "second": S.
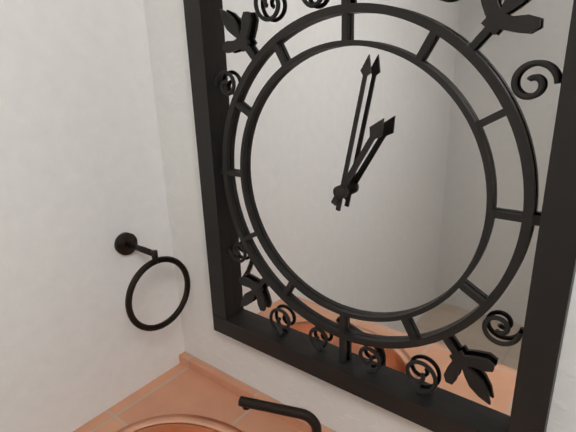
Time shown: {"hour": 1, "minute": 2}
